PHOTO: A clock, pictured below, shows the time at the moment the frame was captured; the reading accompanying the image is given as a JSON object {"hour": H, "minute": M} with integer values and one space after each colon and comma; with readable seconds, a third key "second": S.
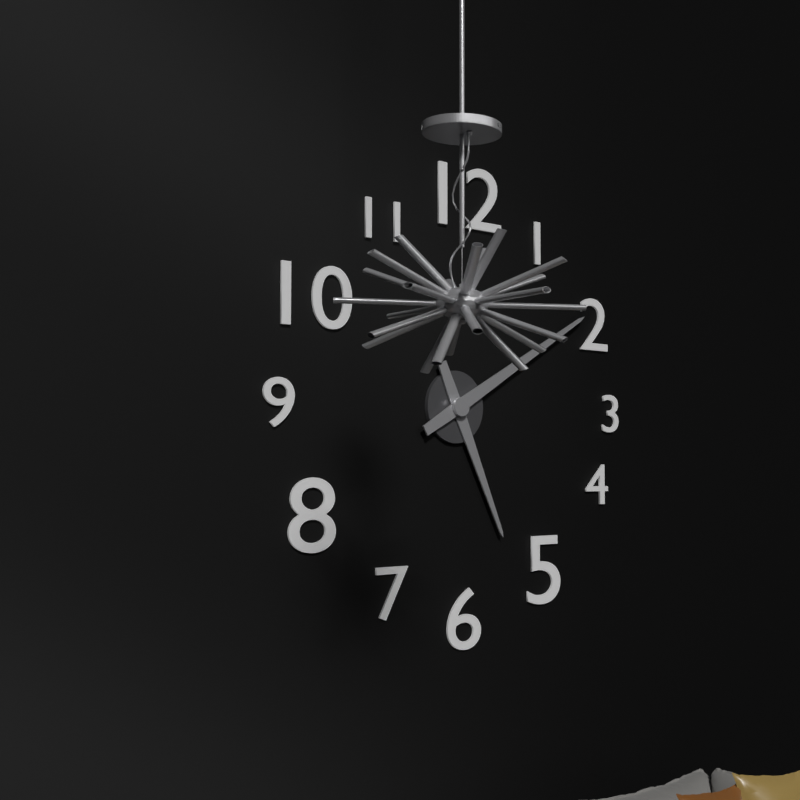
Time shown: {"hour": 5, "minute": 10}
